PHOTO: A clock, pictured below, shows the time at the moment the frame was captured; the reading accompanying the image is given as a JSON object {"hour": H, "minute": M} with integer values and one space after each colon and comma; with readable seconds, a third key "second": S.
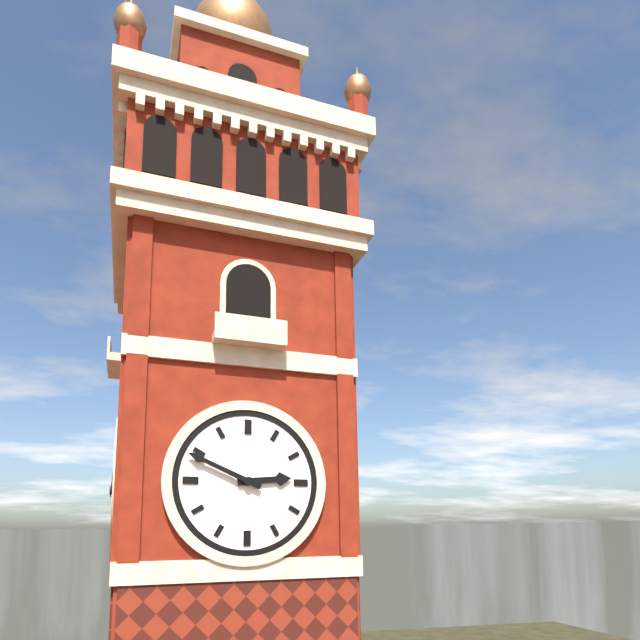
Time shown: {"hour": 2, "minute": 49}
